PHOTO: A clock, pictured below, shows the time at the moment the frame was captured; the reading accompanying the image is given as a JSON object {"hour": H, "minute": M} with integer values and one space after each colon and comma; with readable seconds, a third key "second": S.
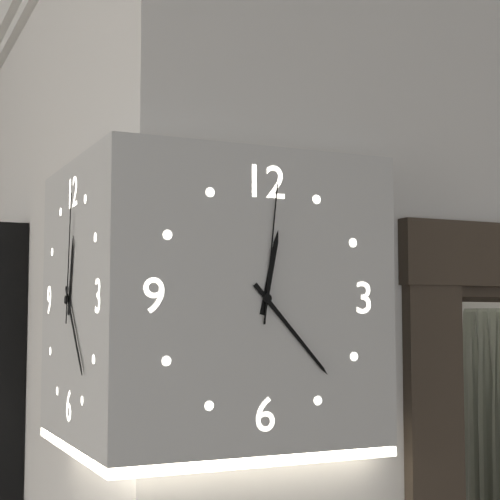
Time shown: {"hour": 12, "minute": 23, "second": 1}
